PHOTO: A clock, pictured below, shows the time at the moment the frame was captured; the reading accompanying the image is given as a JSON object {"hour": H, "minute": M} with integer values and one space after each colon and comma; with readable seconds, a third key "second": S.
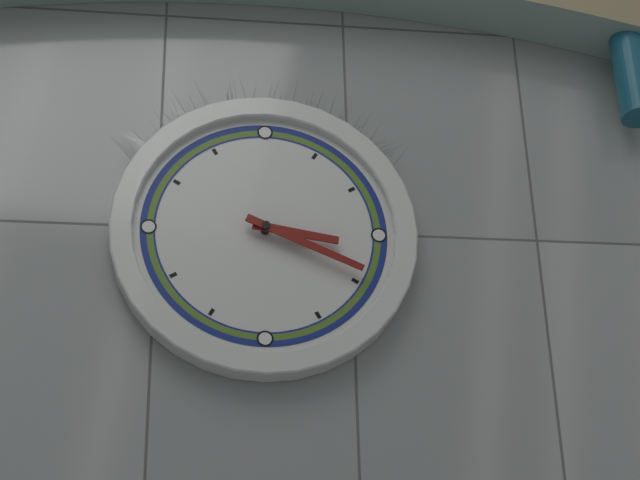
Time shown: {"hour": 3, "minute": 19}
